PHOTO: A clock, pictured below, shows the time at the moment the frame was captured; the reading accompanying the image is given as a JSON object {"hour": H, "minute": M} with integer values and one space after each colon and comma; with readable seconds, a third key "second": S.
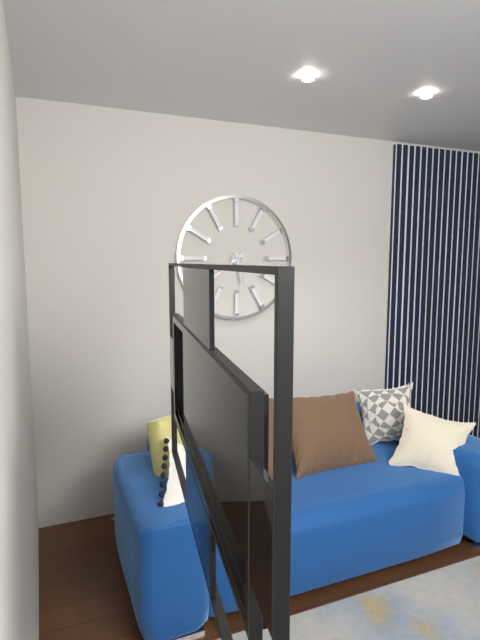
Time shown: {"hour": 5, "minute": 39}
